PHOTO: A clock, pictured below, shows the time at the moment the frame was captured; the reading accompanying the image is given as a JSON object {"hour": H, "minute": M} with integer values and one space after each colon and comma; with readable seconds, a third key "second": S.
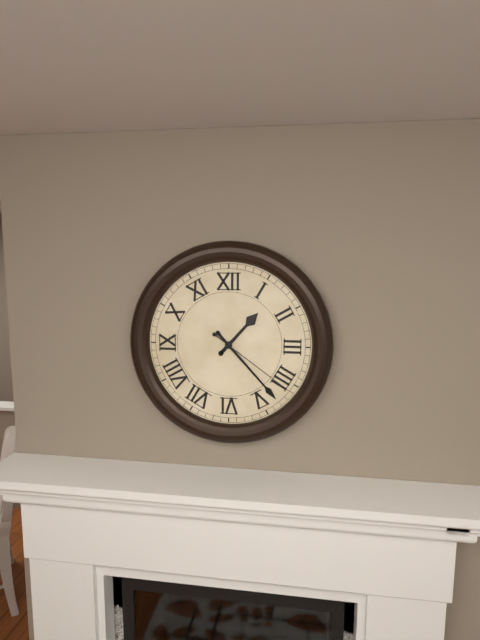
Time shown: {"hour": 1, "minute": 23, "second": 21}
